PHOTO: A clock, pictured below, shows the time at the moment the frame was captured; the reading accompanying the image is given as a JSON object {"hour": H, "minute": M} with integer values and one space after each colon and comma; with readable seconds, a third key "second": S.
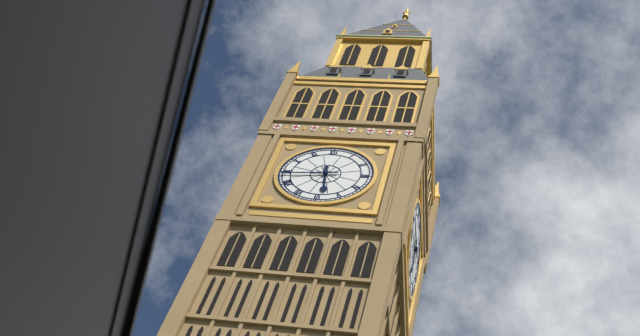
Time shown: {"hour": 5, "minute": 44}
